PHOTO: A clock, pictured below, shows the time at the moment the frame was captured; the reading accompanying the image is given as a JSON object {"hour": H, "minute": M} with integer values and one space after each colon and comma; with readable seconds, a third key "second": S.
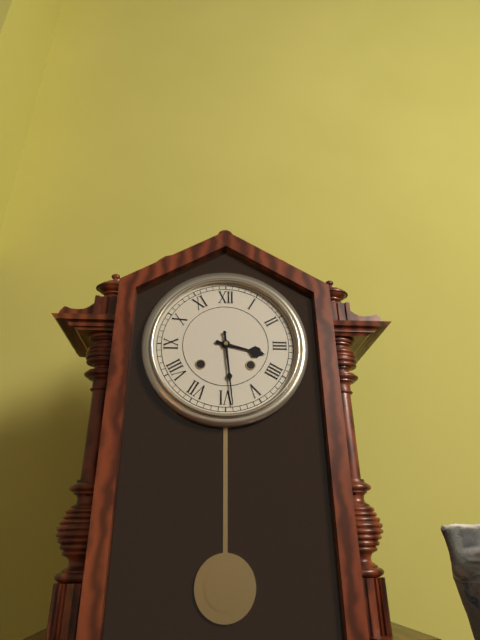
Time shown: {"hour": 3, "minute": 29}
